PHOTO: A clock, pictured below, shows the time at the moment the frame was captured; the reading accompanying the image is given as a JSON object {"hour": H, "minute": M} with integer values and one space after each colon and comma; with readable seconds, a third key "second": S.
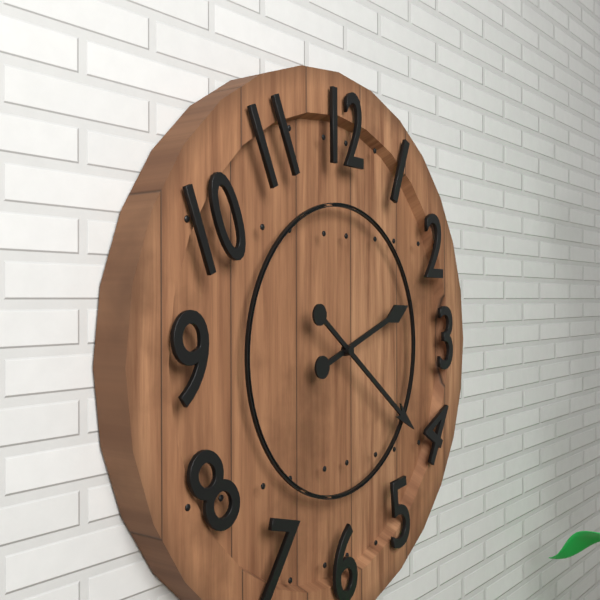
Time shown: {"hour": 2, "minute": 21}
